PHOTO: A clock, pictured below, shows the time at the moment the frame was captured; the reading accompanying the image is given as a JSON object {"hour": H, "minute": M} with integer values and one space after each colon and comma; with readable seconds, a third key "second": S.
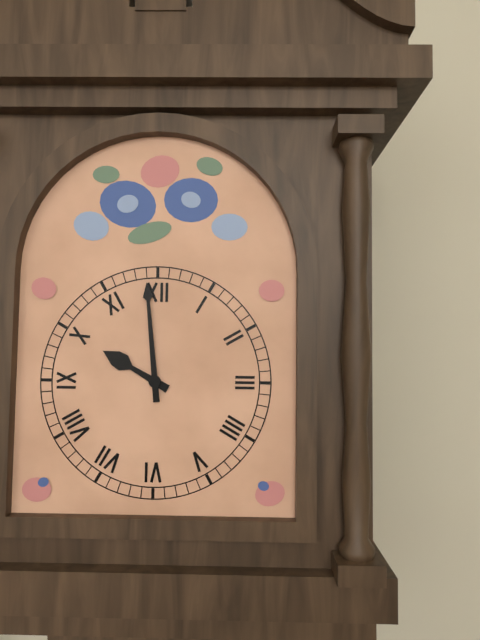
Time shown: {"hour": 9, "minute": 59}
